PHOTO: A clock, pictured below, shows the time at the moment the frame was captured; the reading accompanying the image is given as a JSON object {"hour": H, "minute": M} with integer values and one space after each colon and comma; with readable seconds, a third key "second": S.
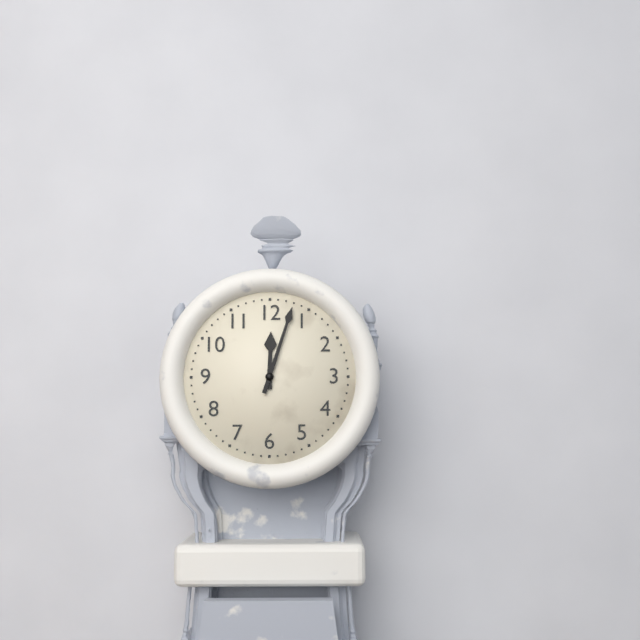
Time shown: {"hour": 12, "minute": 3}
